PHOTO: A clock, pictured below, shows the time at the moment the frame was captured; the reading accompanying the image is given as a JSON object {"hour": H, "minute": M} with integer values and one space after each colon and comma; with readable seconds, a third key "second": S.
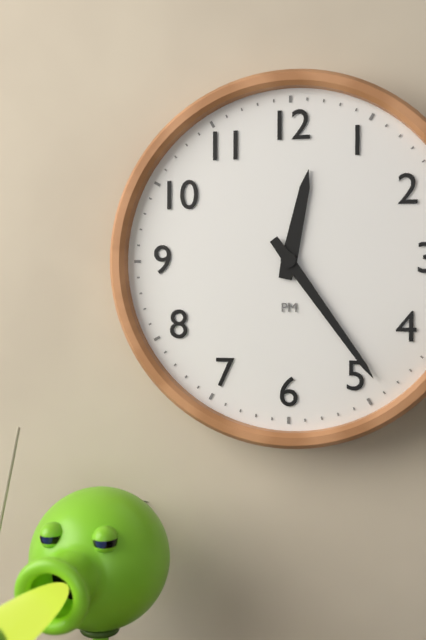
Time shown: {"hour": 12, "minute": 24}
